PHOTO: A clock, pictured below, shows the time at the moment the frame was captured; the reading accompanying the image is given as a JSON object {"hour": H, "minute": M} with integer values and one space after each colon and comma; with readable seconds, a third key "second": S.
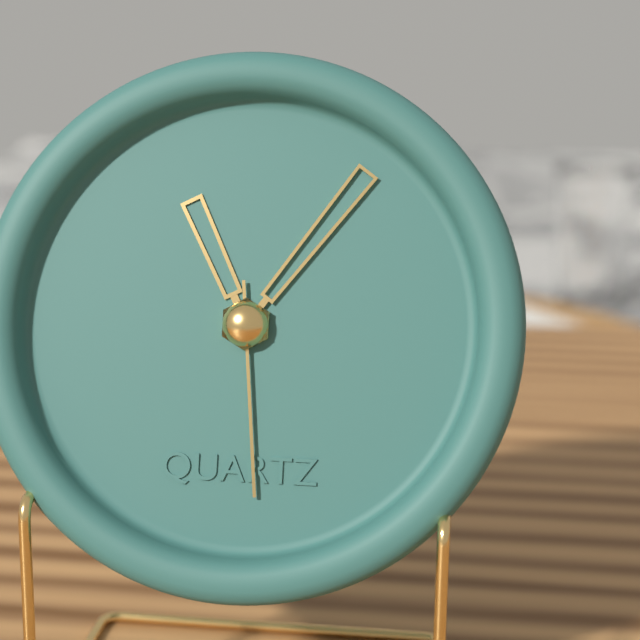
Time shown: {"hour": 11, "minute": 6, "second": 29}
